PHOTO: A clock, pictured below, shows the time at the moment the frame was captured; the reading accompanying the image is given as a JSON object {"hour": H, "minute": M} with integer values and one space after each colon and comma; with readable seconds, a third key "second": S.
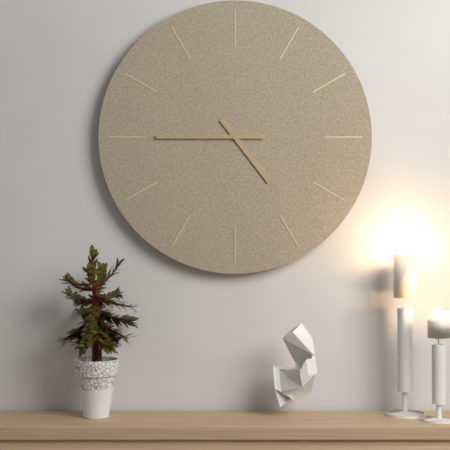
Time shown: {"hour": 4, "minute": 45}
